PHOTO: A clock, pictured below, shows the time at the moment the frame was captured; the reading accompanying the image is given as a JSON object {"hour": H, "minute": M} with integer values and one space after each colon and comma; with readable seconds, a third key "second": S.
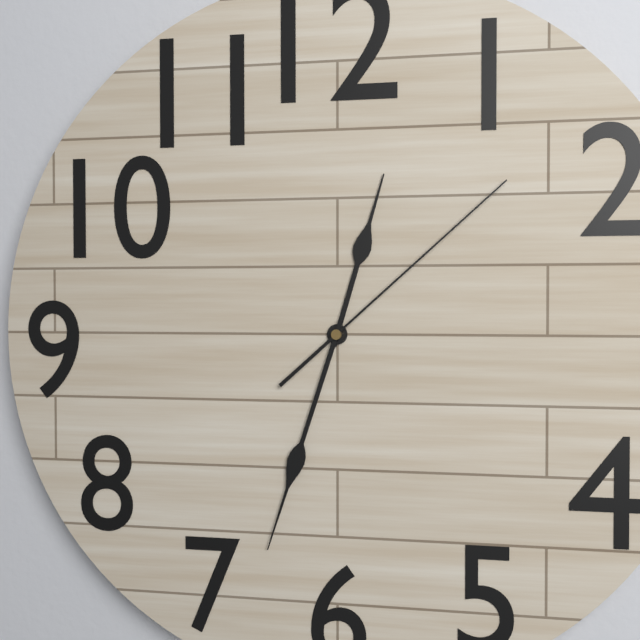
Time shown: {"hour": 12, "minute": 33, "second": 8}
